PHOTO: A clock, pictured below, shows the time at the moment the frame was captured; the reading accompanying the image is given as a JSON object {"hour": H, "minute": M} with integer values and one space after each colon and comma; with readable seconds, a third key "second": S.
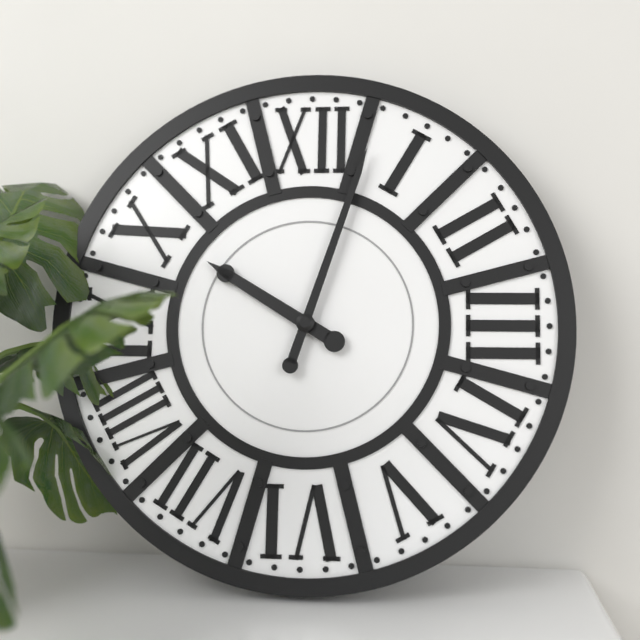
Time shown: {"hour": 10, "minute": 3}
